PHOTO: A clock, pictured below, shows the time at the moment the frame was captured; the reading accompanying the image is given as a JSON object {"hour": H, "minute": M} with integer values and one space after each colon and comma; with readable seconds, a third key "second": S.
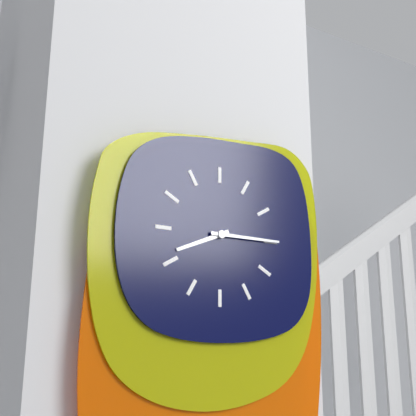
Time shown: {"hour": 8, "minute": 15}
